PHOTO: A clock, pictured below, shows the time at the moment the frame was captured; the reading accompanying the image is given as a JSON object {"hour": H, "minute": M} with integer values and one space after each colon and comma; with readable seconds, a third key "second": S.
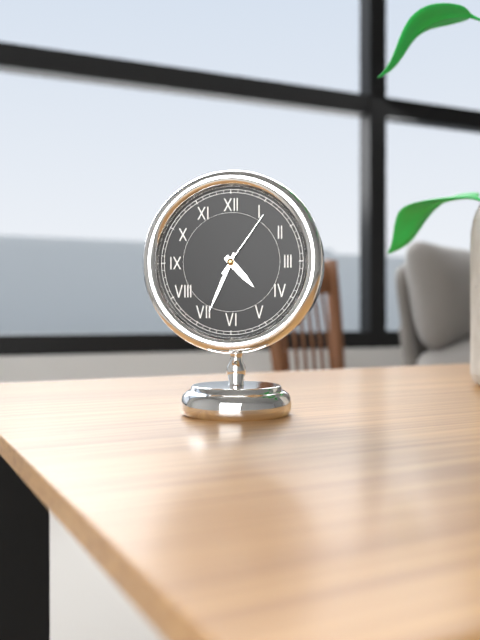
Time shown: {"hour": 4, "minute": 34, "second": 6}
